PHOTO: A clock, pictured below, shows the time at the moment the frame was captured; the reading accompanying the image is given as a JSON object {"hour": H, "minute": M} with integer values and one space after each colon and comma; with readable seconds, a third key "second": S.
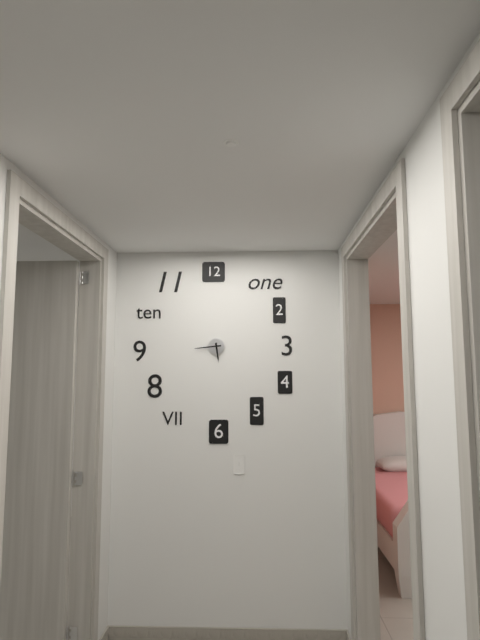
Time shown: {"hour": 5, "minute": 44}
